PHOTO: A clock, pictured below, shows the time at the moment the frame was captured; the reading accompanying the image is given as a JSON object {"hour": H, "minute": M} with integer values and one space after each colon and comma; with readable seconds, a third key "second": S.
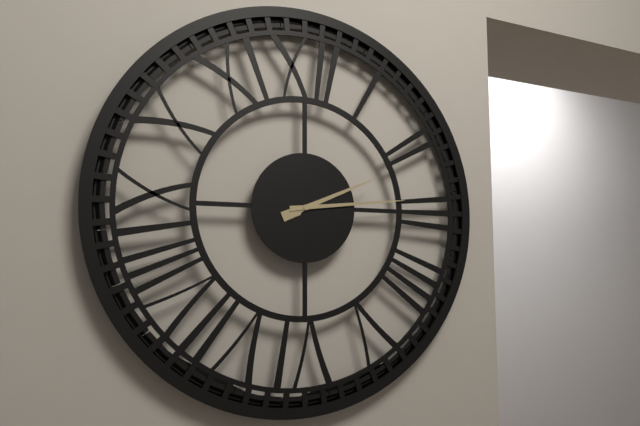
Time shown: {"hour": 2, "minute": 14}
